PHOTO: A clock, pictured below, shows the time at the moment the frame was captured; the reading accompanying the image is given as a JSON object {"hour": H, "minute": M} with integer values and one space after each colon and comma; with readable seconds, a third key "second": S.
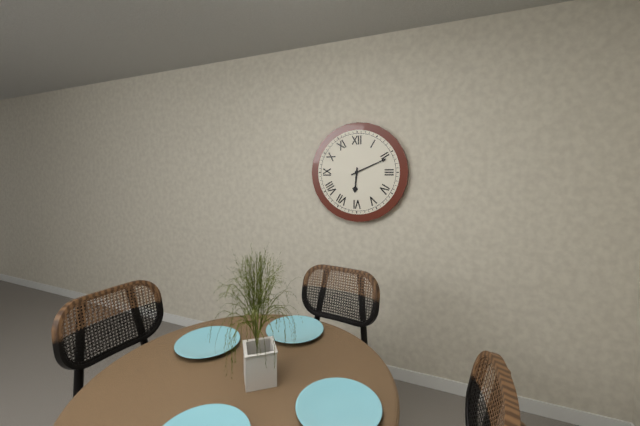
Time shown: {"hour": 6, "minute": 11}
